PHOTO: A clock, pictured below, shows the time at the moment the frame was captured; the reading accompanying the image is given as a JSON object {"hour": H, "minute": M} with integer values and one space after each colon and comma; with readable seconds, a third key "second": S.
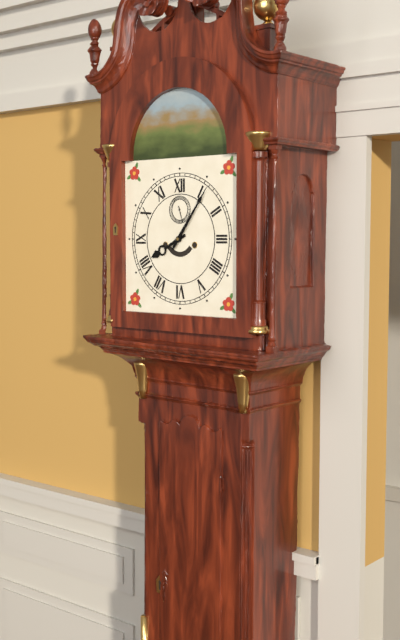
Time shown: {"hour": 8, "minute": 6}
